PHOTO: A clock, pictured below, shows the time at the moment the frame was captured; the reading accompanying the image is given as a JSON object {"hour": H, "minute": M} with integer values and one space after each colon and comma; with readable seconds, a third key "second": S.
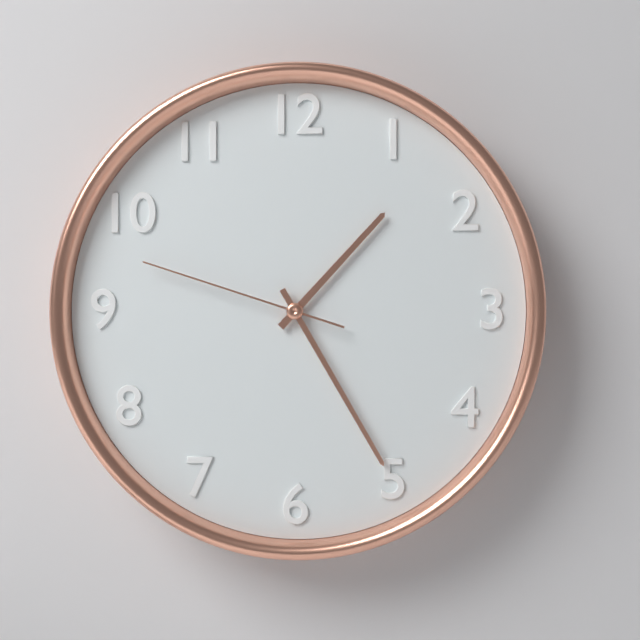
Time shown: {"hour": 1, "minute": 25, "second": 48}
